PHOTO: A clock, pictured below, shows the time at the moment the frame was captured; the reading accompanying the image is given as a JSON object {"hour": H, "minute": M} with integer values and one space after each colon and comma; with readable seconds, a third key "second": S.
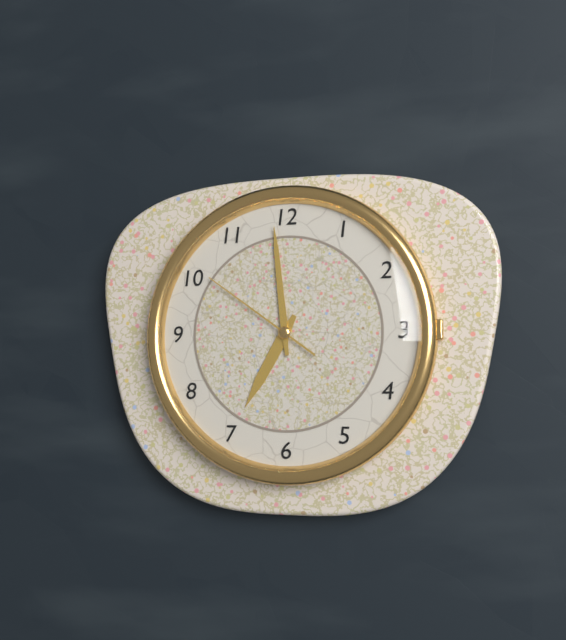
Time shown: {"hour": 6, "minute": 59, "second": 51}
